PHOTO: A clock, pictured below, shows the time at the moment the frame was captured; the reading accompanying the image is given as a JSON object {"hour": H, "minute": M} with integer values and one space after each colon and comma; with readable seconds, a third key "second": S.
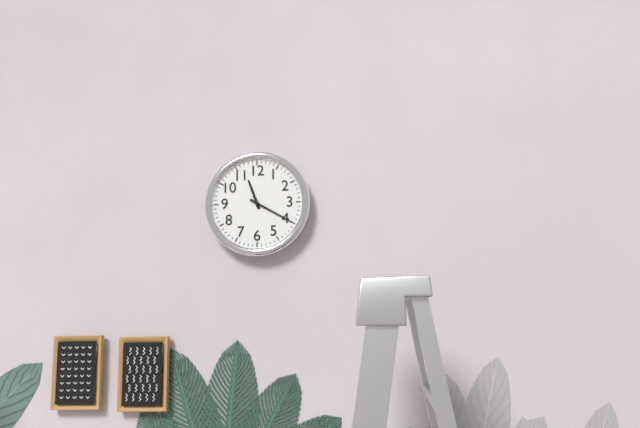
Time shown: {"hour": 11, "minute": 20}
